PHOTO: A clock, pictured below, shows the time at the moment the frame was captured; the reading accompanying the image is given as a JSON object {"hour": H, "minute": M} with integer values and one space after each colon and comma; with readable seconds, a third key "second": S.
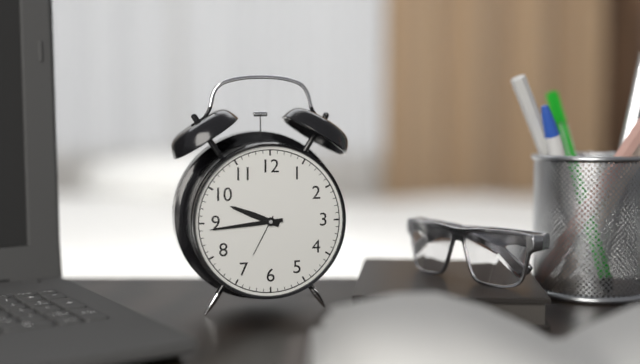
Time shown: {"hour": 9, "minute": 44}
